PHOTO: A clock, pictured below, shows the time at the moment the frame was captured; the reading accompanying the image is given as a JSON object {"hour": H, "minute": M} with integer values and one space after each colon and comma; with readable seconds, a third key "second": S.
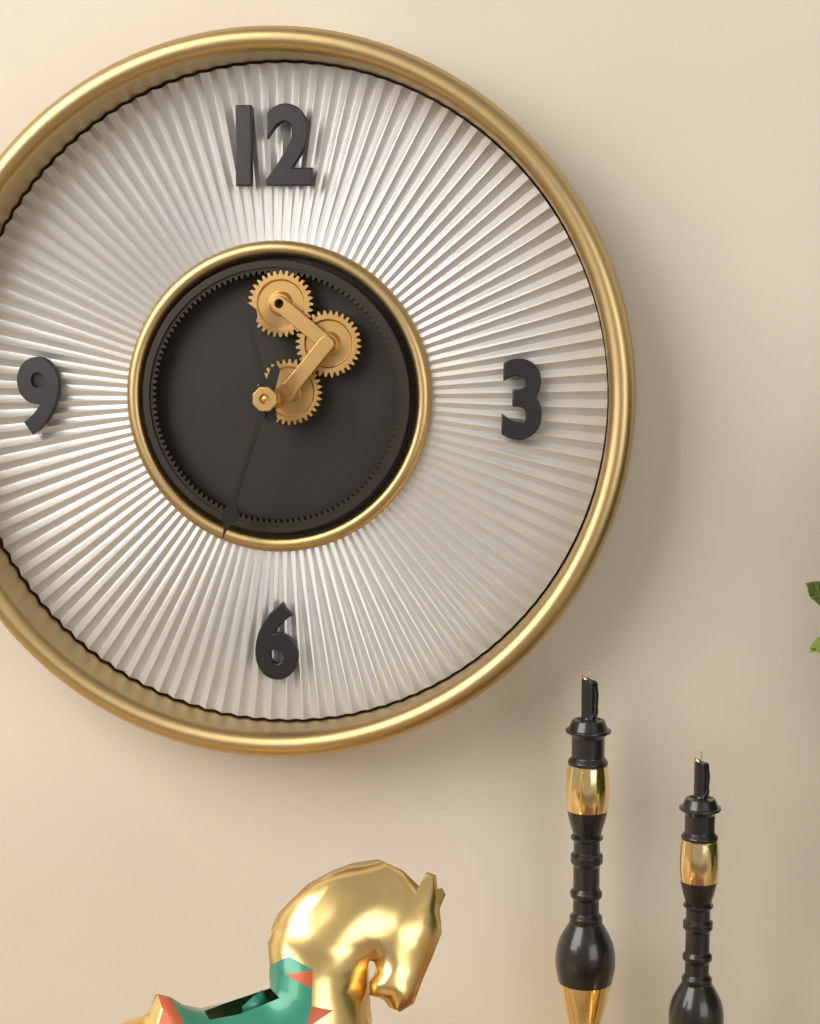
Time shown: {"hour": 11, "minute": 33}
